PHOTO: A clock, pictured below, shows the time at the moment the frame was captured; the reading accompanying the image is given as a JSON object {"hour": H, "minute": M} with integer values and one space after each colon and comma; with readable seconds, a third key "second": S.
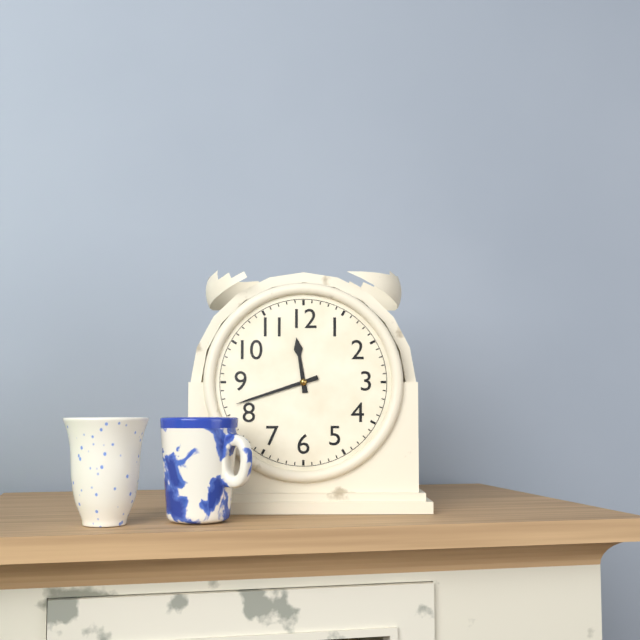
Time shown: {"hour": 11, "minute": 42}
